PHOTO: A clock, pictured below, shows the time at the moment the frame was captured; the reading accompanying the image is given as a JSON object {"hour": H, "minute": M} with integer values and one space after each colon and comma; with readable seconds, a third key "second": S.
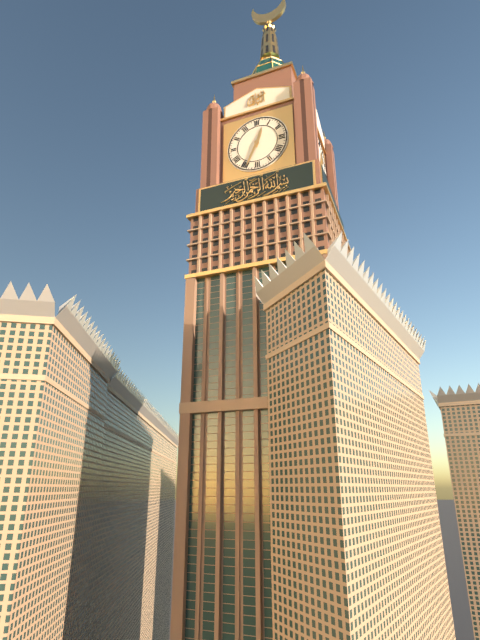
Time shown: {"hour": 12, "minute": 34}
